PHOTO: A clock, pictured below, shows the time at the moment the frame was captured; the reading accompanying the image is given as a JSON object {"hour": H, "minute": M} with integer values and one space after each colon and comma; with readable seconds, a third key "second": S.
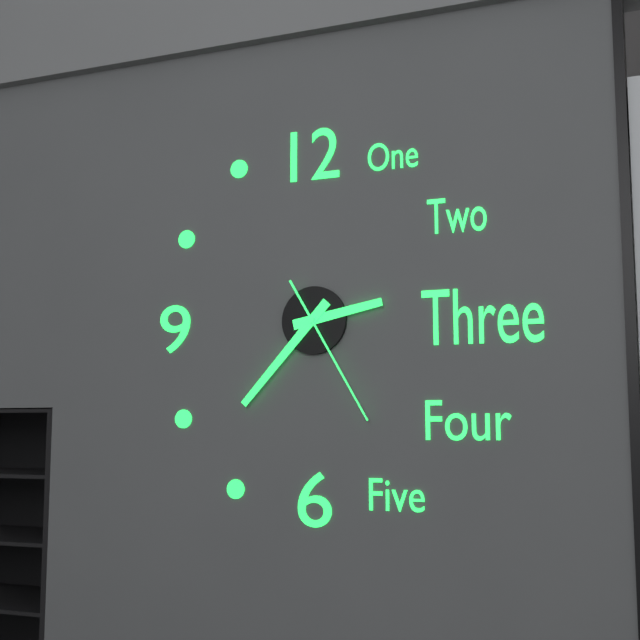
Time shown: {"hour": 2, "minute": 37, "second": 25}
